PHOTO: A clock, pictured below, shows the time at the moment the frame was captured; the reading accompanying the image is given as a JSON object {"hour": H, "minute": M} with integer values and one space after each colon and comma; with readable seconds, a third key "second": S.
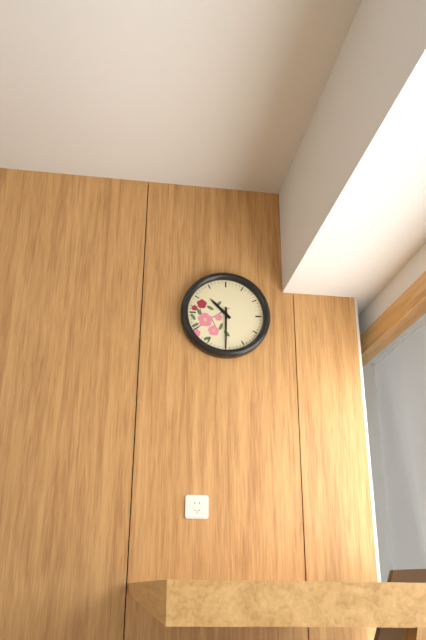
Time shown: {"hour": 10, "minute": 30}
